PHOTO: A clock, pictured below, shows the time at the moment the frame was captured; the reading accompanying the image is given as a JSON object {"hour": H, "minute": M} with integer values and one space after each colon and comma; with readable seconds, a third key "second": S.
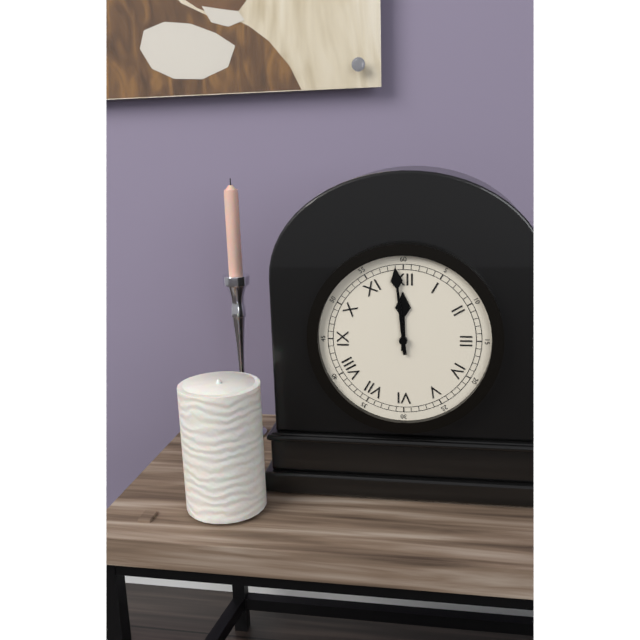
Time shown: {"hour": 11, "minute": 59}
